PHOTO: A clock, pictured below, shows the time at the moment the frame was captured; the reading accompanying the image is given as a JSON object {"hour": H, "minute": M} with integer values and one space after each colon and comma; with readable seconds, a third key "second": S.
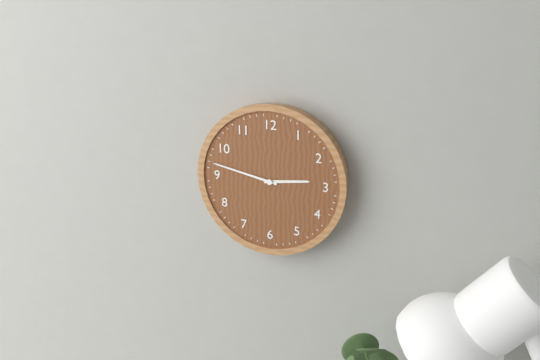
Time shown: {"hour": 2, "minute": 47}
